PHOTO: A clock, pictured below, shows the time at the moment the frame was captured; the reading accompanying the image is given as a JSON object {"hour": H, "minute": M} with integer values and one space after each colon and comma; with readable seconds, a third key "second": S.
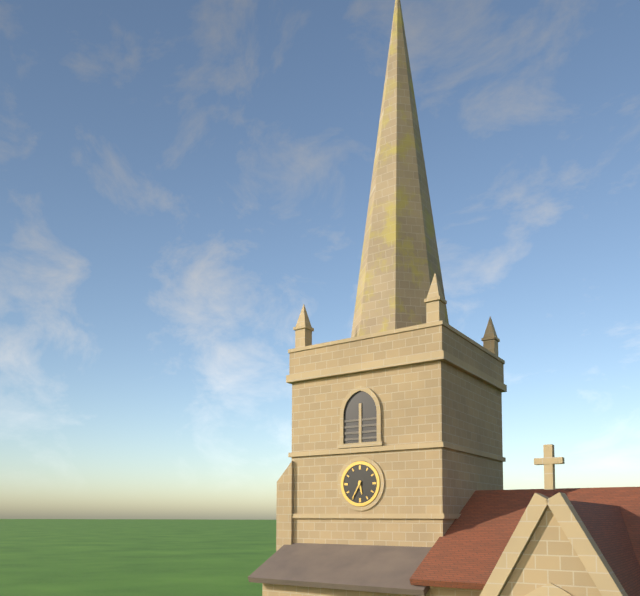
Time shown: {"hour": 5, "minute": 35}
